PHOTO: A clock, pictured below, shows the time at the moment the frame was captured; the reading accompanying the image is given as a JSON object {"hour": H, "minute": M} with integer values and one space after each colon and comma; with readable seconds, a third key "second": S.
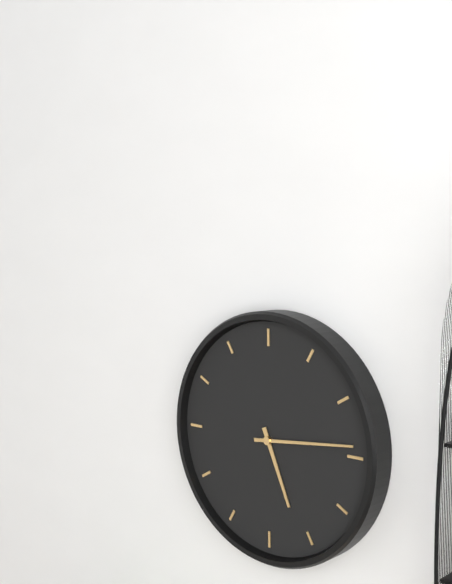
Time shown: {"hour": 5, "minute": 14}
